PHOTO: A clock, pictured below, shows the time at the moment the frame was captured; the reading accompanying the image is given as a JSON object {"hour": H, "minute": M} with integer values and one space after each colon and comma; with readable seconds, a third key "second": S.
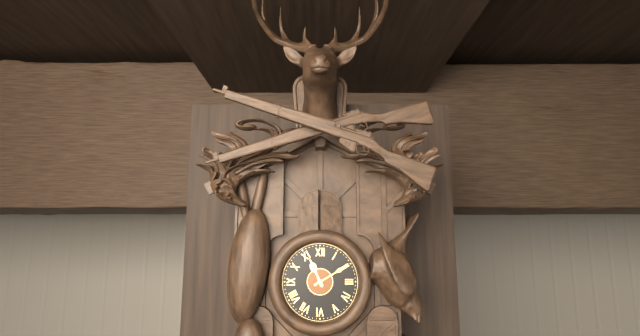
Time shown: {"hour": 11, "minute": 10}
